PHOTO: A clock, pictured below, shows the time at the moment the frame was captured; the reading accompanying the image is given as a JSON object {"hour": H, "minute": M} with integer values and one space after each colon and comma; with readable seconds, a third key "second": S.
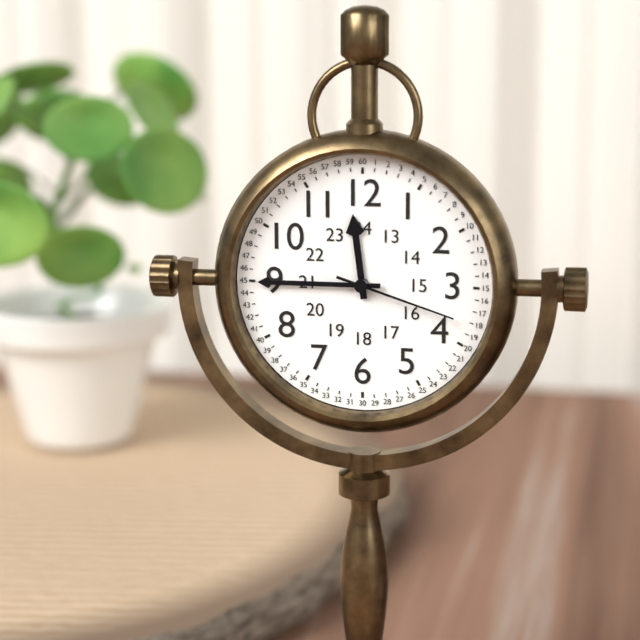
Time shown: {"hour": 11, "minute": 45, "second": 18}
